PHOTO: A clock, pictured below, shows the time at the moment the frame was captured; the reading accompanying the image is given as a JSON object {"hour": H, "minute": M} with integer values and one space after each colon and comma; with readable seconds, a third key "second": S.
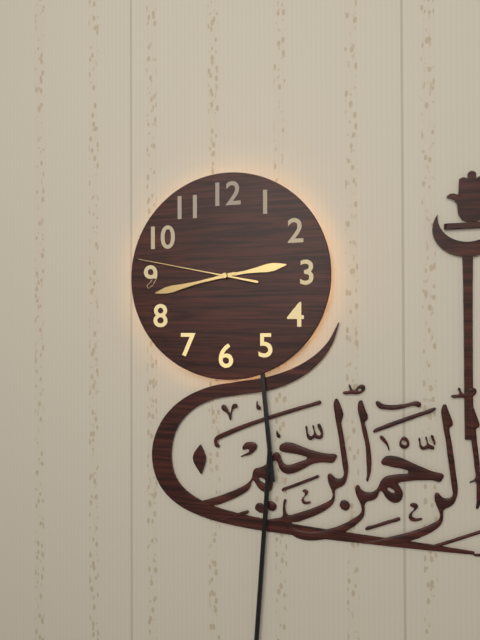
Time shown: {"hour": 2, "minute": 43, "second": 47}
